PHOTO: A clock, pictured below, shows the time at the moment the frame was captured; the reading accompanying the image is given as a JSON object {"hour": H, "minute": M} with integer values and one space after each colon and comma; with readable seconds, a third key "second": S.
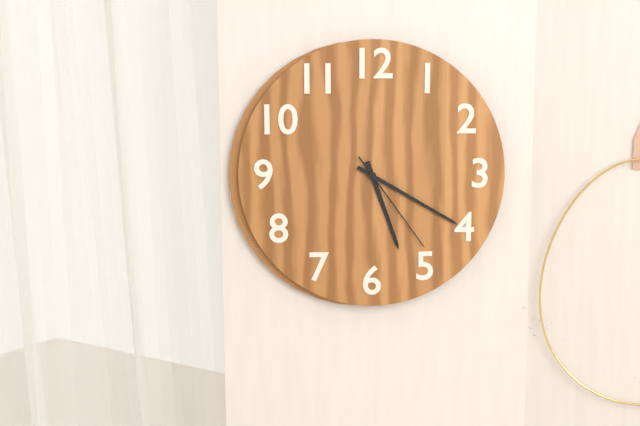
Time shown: {"hour": 5, "minute": 20, "second": 24}
